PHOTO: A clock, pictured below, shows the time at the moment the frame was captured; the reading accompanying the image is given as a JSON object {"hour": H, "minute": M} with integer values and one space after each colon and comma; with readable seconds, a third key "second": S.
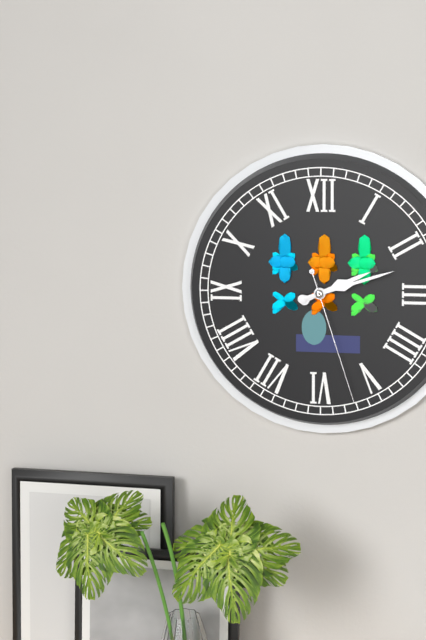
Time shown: {"hour": 2, "minute": 12, "second": 27}
